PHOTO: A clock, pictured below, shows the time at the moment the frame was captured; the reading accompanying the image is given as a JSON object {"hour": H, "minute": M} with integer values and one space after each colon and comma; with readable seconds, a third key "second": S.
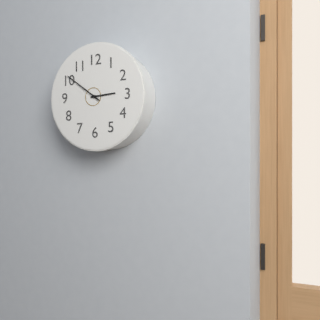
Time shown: {"hour": 2, "minute": 51}
